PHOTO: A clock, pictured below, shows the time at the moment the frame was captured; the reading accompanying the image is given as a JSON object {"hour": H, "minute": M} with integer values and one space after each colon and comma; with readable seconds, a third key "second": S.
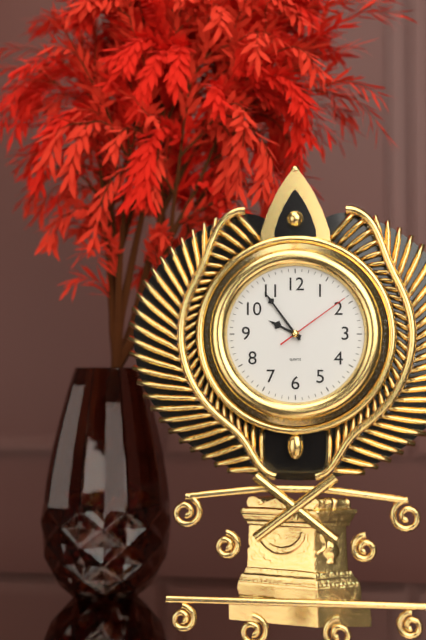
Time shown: {"hour": 9, "minute": 54, "second": 9}
